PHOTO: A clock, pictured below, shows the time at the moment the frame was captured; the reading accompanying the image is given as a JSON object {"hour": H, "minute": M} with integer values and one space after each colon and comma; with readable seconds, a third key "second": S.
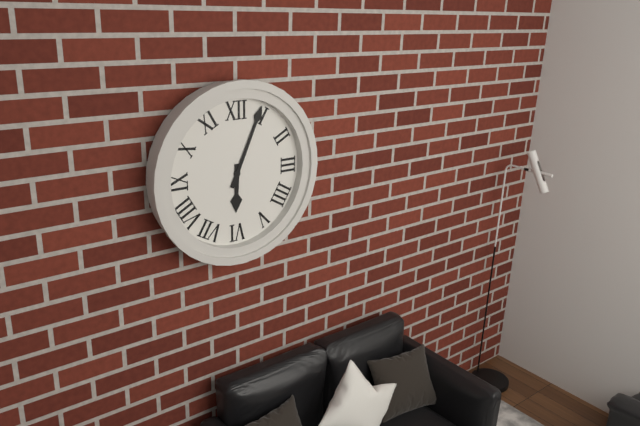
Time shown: {"hour": 6, "minute": 4}
